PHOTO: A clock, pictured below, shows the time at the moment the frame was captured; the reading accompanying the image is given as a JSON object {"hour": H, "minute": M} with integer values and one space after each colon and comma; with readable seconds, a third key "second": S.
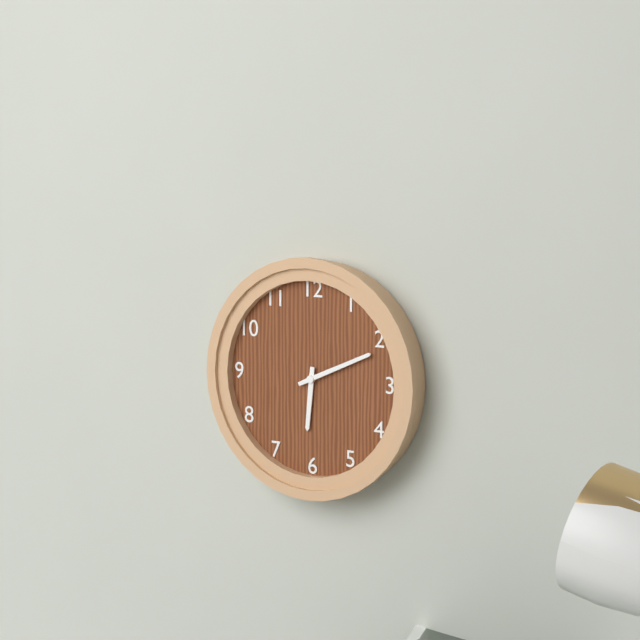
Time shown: {"hour": 6, "minute": 11}
